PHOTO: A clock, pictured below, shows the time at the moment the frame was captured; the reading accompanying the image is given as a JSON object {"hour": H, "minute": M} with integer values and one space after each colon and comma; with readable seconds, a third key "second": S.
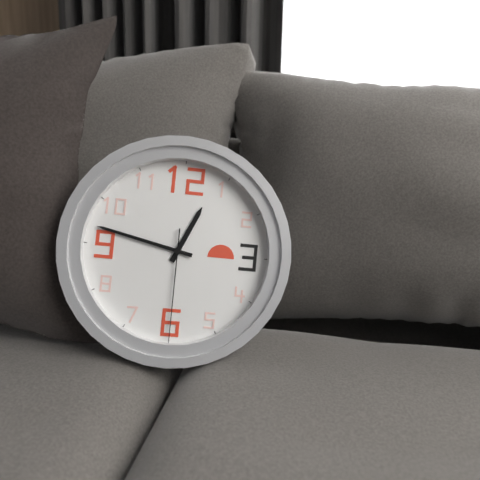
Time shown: {"hour": 12, "minute": 47, "second": 30}
